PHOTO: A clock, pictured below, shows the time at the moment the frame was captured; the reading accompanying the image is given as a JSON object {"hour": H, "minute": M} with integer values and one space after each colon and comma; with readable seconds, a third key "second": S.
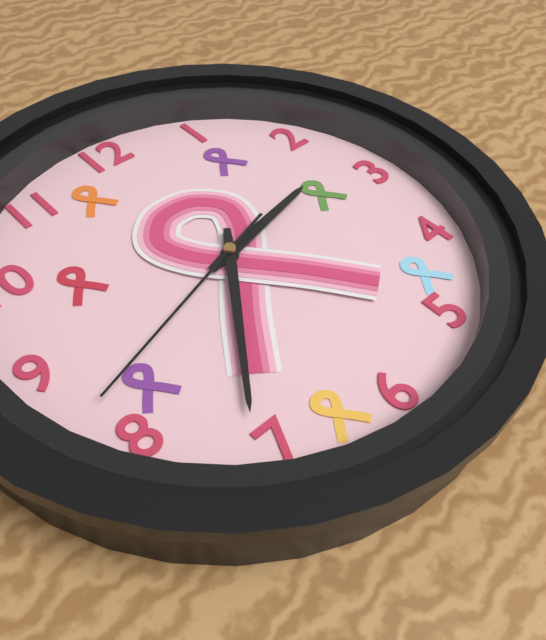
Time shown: {"hour": 2, "minute": 36, "second": 42}
